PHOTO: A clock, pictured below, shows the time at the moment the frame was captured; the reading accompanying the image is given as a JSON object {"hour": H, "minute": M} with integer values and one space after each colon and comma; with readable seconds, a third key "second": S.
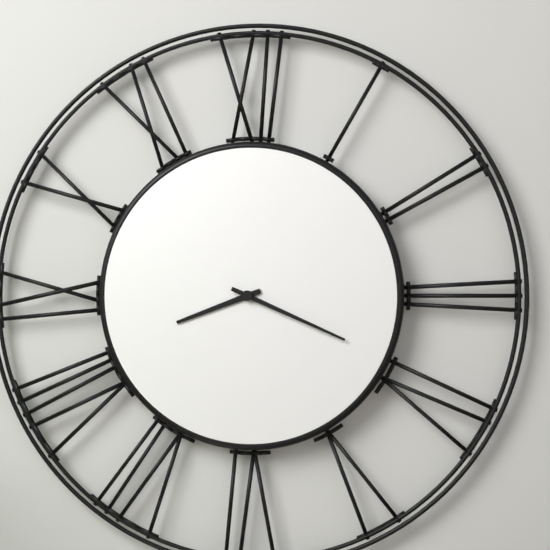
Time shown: {"hour": 8, "minute": 19}
